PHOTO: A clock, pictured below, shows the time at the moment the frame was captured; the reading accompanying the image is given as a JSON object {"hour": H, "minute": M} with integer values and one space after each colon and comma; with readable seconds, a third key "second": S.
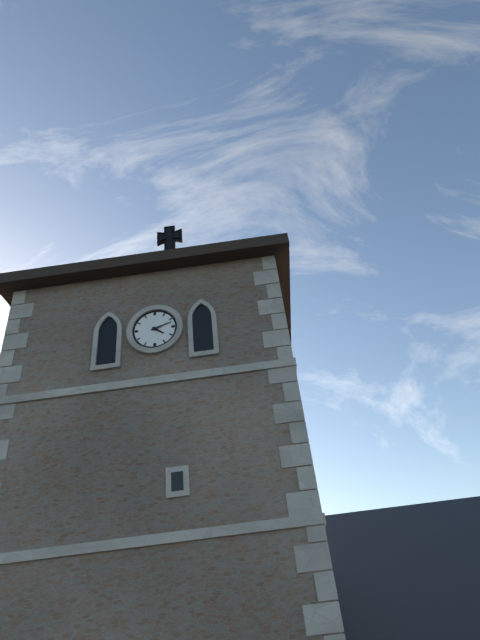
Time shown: {"hour": 4, "minute": 12}
